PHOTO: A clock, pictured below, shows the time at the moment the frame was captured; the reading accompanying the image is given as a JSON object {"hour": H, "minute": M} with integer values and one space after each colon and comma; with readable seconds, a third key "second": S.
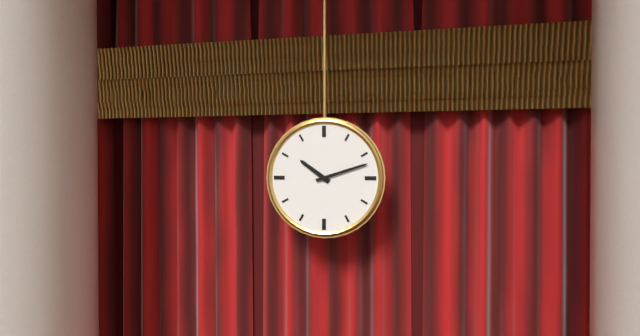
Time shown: {"hour": 10, "minute": 12}
